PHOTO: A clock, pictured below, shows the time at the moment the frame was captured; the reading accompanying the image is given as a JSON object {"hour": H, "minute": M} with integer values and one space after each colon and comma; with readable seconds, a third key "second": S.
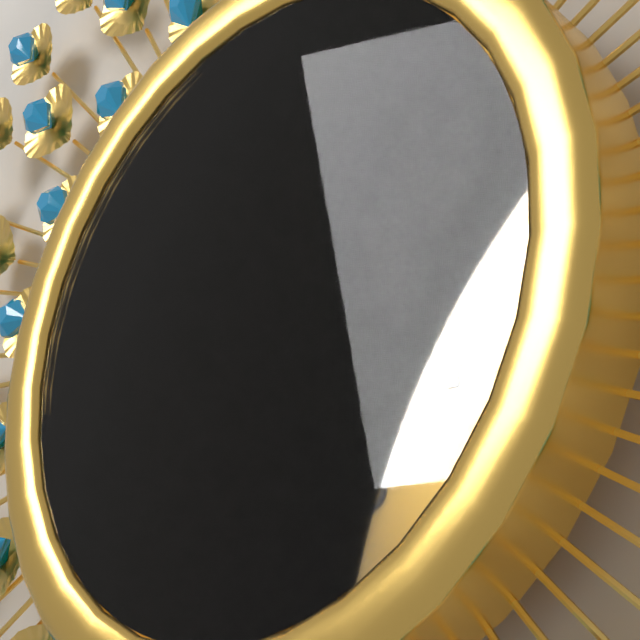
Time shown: {"hour": 9, "minute": 48, "second": 17}
